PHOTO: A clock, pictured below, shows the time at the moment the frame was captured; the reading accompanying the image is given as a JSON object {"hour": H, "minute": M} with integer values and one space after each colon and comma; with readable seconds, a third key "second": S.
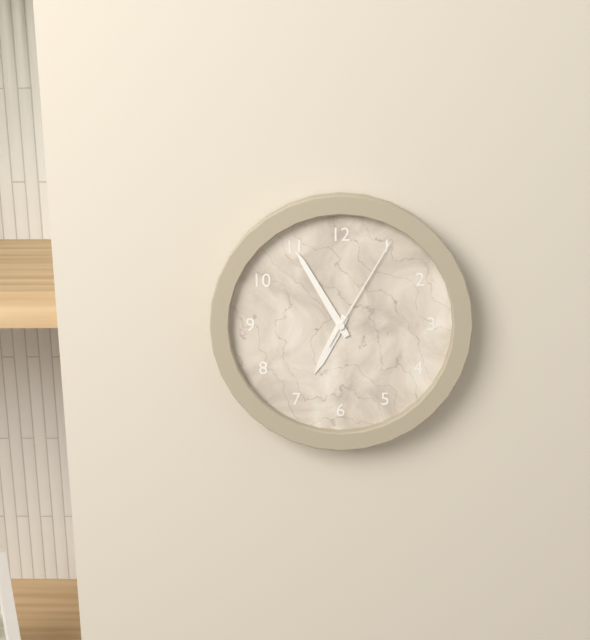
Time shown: {"hour": 6, "minute": 55, "second": 5}
